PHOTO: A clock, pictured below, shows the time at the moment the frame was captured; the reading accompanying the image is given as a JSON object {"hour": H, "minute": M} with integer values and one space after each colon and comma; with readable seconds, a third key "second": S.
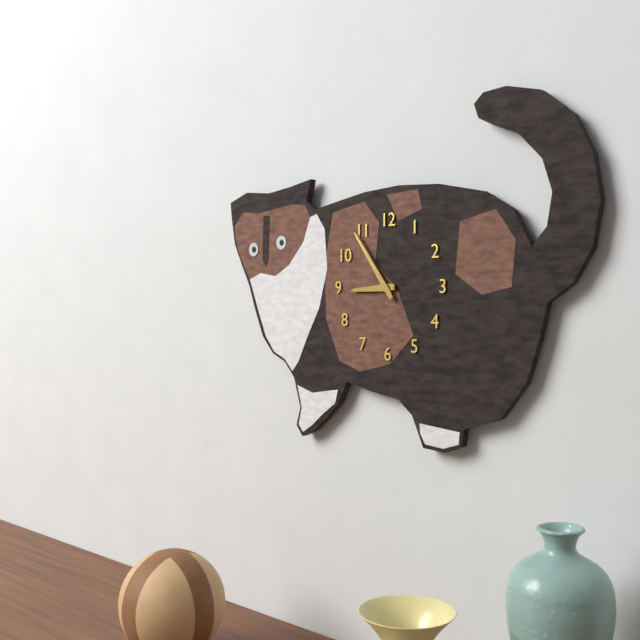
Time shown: {"hour": 8, "minute": 54}
